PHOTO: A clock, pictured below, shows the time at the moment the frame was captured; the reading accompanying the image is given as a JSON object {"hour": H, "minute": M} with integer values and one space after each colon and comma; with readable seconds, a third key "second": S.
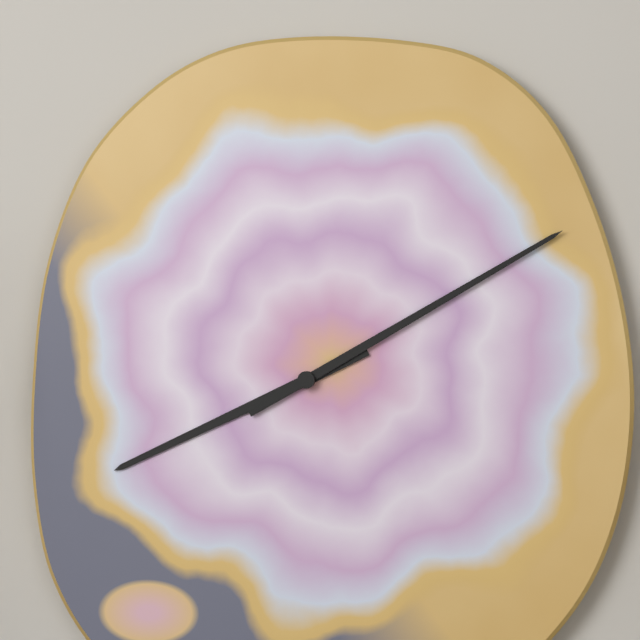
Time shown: {"hour": 8, "minute": 10}
